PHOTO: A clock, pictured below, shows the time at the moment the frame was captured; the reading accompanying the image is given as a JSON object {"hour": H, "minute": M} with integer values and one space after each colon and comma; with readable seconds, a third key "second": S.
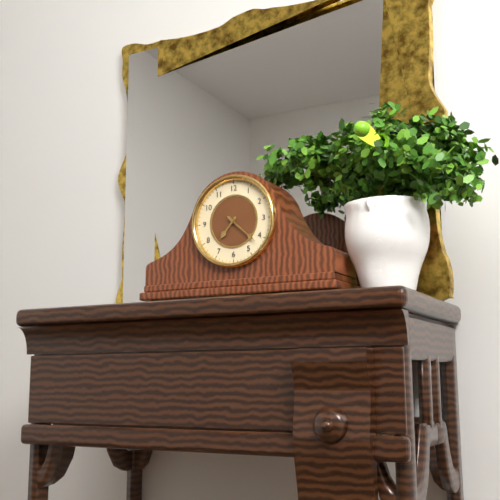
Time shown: {"hour": 7, "minute": 22}
